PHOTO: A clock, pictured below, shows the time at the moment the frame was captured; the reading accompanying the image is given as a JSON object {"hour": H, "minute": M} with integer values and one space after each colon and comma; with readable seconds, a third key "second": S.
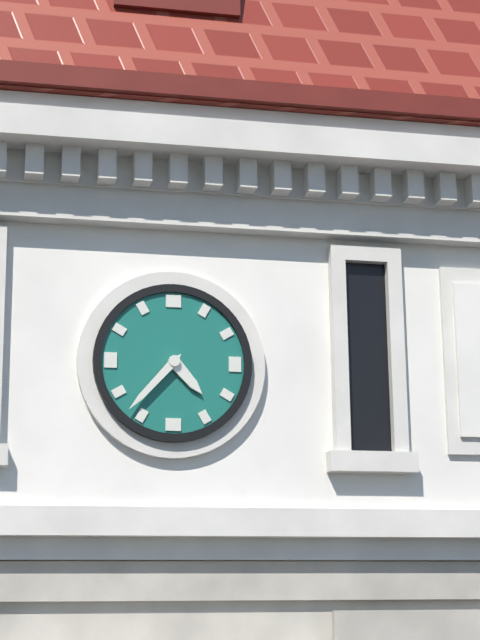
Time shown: {"hour": 4, "minute": 37}
